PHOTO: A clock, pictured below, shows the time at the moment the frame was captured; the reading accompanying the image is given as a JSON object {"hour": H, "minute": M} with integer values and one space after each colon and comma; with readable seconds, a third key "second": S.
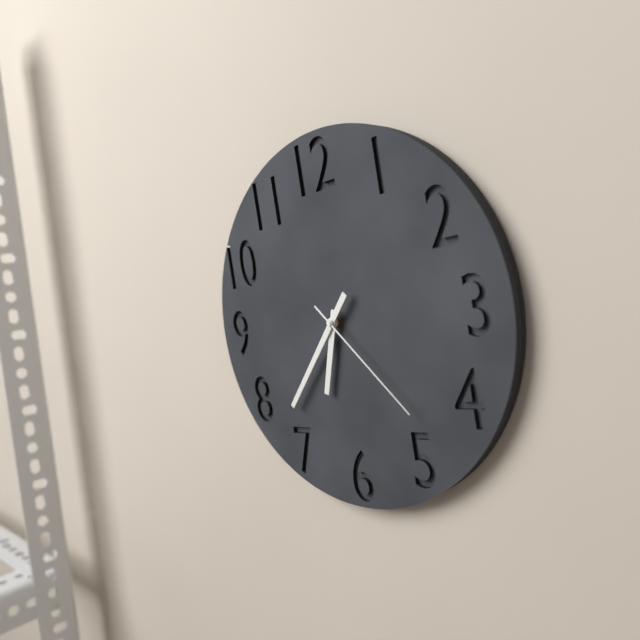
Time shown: {"hour": 6, "minute": 37, "second": 23}
